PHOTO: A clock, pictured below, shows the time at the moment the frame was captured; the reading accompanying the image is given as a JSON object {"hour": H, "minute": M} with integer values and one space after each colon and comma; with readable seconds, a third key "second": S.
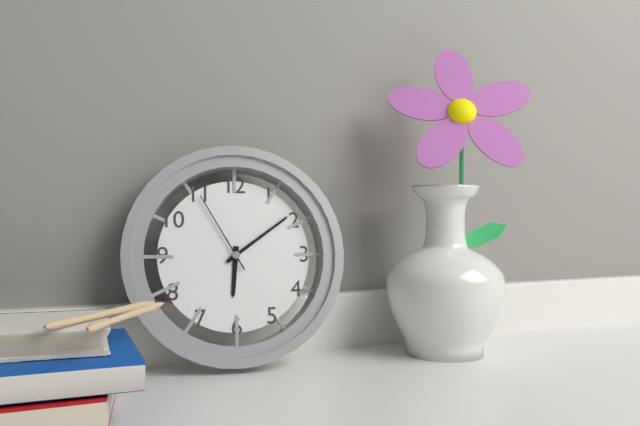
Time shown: {"hour": 6, "minute": 9, "second": 55}
